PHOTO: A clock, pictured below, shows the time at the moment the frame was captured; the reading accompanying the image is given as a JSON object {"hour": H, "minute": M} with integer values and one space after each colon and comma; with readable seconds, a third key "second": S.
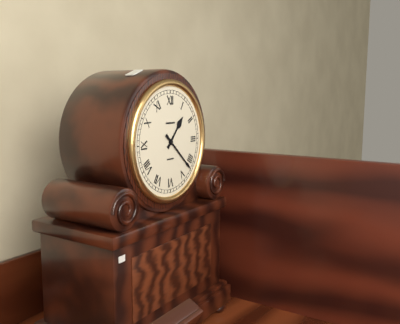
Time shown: {"hour": 1, "minute": 22}
